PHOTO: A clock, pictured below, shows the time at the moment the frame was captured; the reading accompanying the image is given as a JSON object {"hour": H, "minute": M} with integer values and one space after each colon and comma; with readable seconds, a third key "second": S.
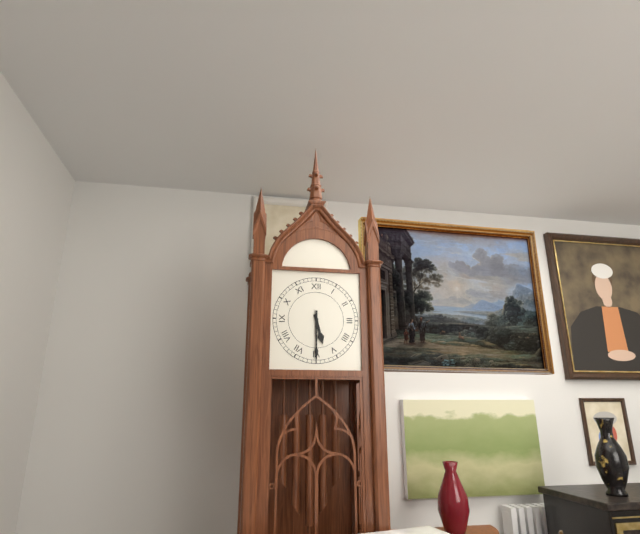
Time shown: {"hour": 5, "minute": 30}
